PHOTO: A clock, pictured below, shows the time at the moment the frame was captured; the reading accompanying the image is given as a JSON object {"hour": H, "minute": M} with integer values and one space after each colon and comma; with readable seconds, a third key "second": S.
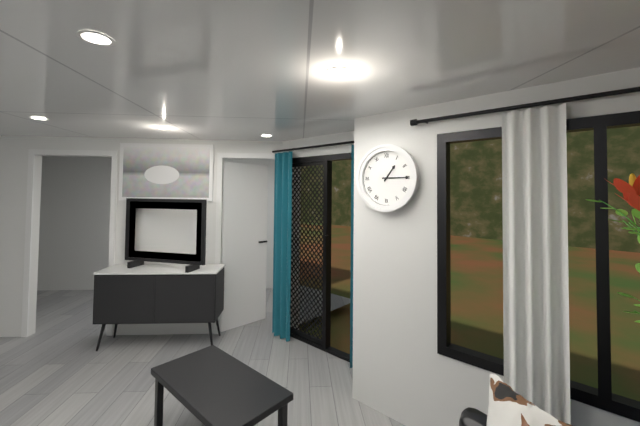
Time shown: {"hour": 1, "minute": 15}
